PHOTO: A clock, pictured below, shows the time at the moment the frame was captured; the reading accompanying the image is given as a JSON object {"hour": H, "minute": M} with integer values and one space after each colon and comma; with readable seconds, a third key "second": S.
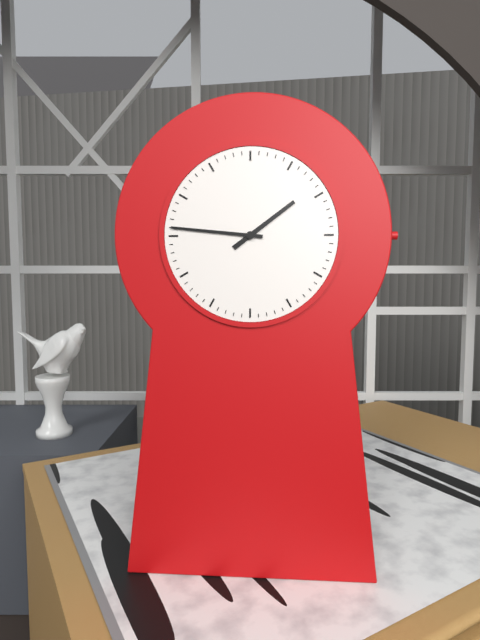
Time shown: {"hour": 1, "minute": 46}
